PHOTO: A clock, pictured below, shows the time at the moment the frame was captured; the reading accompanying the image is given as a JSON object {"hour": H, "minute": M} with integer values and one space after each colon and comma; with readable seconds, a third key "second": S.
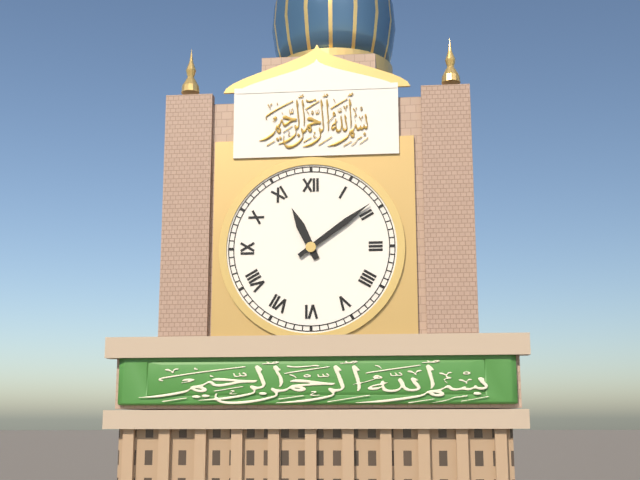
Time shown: {"hour": 11, "minute": 9}
